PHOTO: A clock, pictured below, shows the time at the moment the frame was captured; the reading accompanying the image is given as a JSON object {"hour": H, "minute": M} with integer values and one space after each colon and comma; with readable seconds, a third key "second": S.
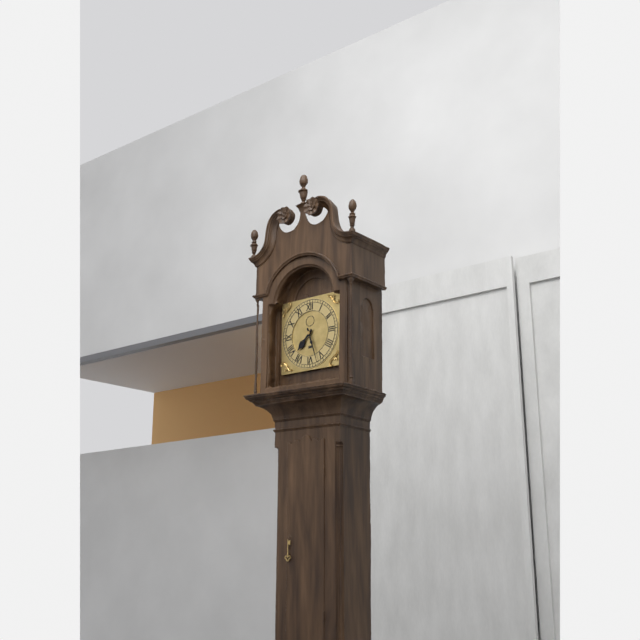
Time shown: {"hour": 7, "minute": 27}
